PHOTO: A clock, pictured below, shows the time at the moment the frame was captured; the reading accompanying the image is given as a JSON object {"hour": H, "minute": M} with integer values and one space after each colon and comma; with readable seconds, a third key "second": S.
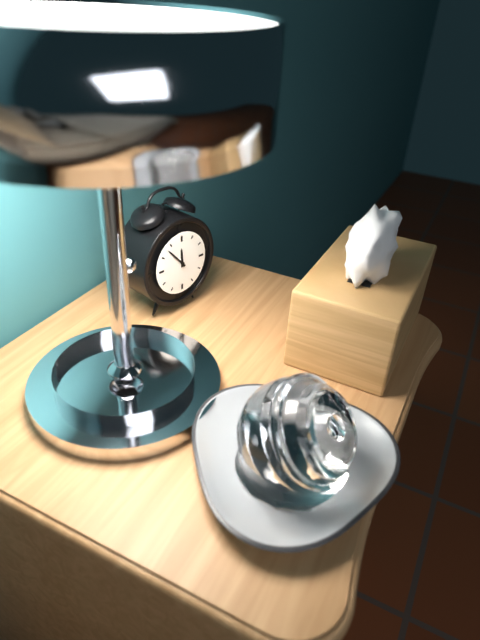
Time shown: {"hour": 11, "minute": 53}
